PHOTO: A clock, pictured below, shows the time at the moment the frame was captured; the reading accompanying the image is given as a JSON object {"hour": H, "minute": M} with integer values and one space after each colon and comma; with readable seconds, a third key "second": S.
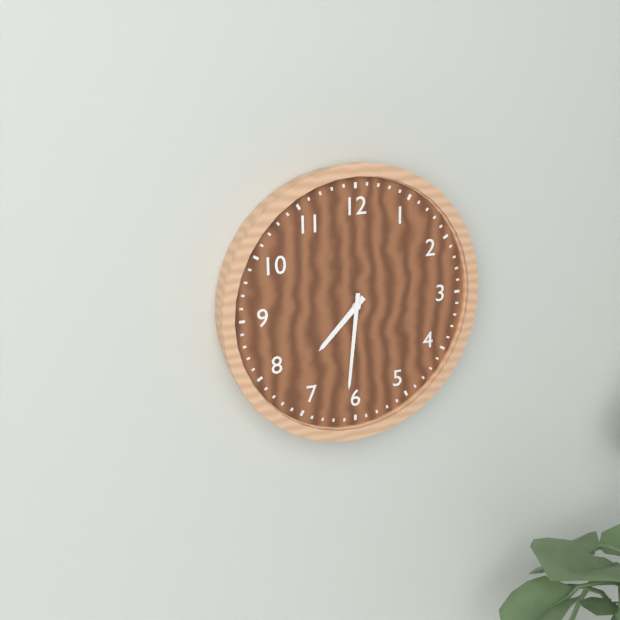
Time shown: {"hour": 7, "minute": 31}
